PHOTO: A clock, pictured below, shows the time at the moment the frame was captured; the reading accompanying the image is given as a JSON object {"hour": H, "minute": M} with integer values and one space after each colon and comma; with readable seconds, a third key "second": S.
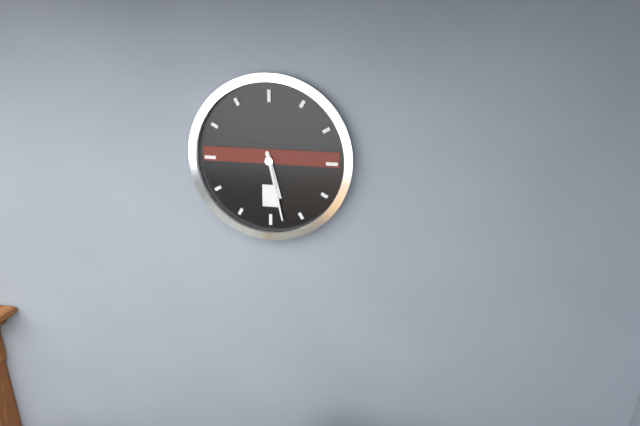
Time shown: {"hour": 5, "minute": 28}
